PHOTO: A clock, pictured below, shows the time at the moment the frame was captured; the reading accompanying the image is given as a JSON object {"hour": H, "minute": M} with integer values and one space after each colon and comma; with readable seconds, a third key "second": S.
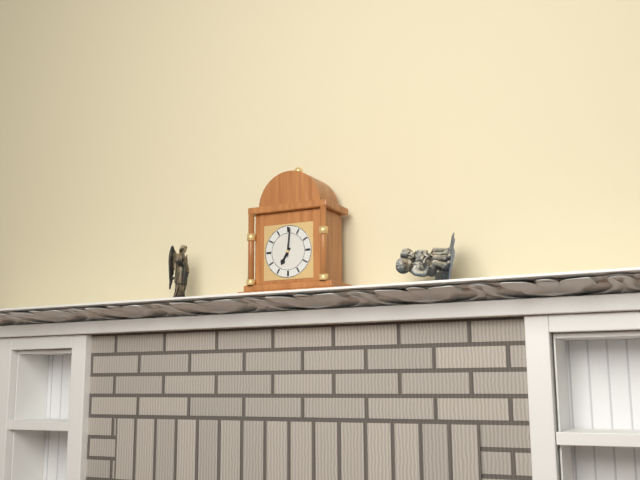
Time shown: {"hour": 7, "minute": 1}
